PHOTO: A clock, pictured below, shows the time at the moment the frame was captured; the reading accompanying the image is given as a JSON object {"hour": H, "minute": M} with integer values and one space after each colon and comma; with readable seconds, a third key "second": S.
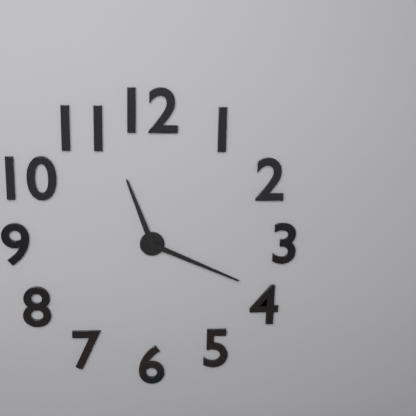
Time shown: {"hour": 11, "minute": 19}
